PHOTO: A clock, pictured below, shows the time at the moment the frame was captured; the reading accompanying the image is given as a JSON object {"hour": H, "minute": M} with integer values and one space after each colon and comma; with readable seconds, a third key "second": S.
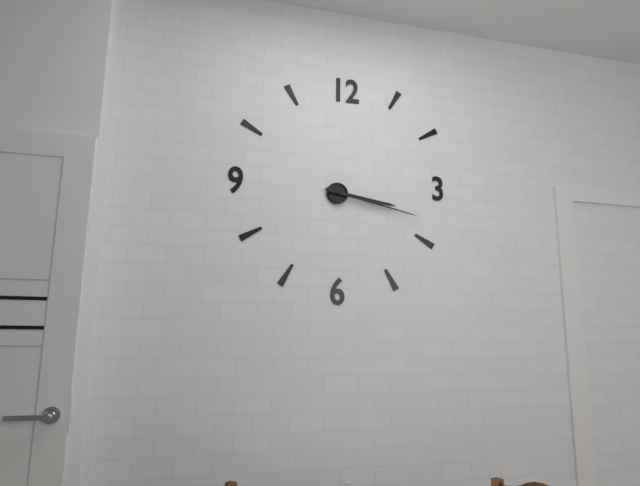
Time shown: {"hour": 3, "minute": 17}
